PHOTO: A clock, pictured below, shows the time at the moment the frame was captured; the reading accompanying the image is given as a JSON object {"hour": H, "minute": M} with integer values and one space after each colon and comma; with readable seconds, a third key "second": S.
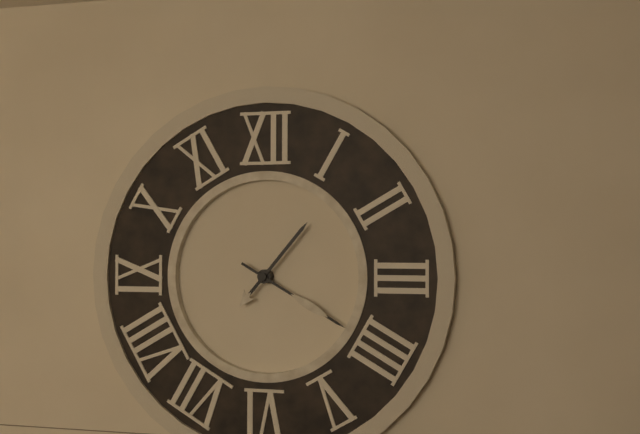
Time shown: {"hour": 1, "minute": 20}
